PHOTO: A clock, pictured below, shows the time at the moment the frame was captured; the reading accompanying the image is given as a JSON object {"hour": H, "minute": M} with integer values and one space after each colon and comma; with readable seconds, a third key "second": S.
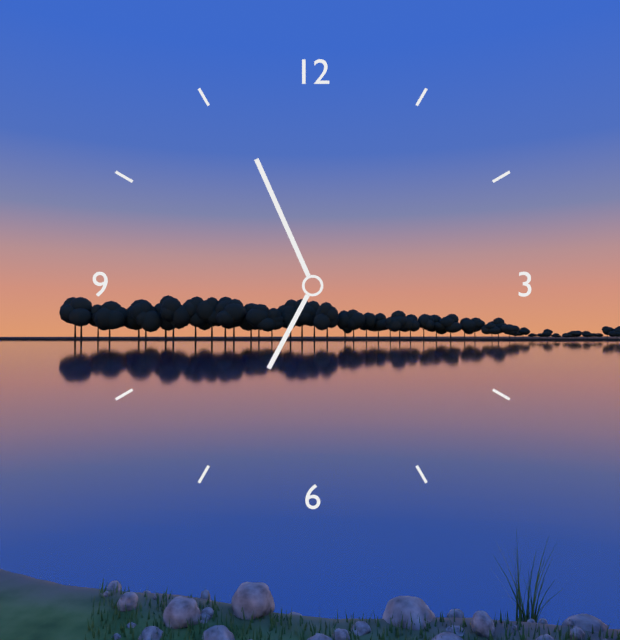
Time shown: {"hour": 6, "minute": 56}
